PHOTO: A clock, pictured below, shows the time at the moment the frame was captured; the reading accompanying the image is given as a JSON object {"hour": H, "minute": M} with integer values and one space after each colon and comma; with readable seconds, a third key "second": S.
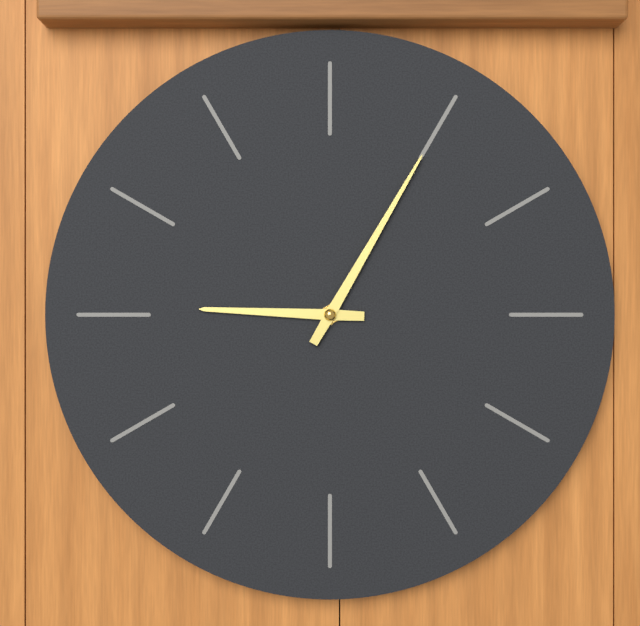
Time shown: {"hour": 9, "minute": 5}
